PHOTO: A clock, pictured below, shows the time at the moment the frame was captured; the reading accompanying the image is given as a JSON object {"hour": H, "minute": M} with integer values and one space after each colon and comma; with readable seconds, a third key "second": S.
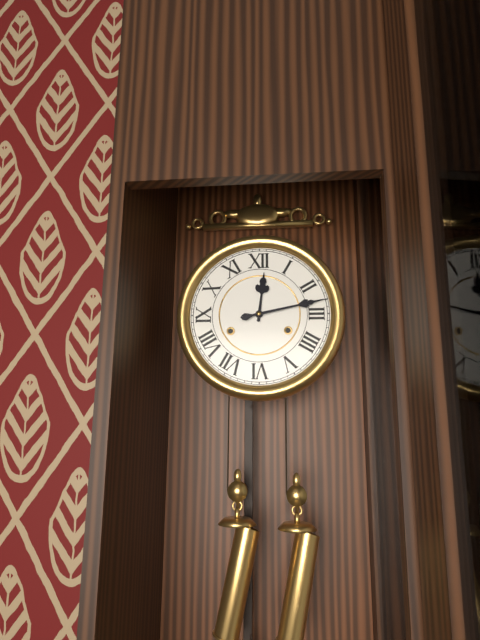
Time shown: {"hour": 12, "minute": 13}
